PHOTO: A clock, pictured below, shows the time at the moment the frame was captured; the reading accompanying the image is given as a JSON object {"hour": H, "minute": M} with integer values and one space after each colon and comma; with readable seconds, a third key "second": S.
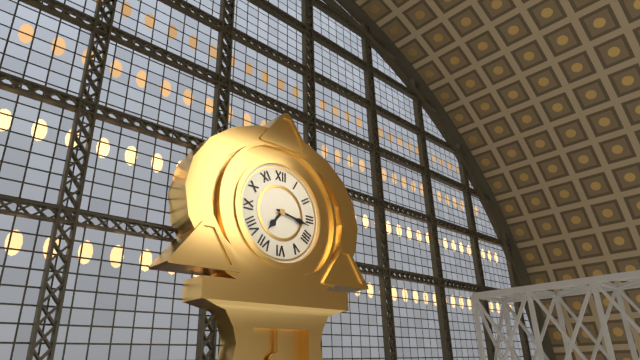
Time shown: {"hour": 7, "minute": 17}
